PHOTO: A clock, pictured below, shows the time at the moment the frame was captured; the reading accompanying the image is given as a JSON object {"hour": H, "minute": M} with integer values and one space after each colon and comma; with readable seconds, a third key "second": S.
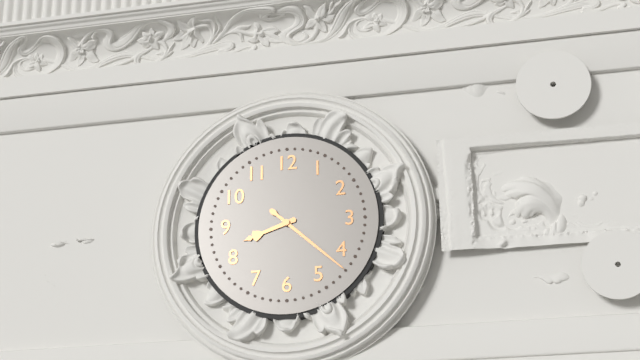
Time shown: {"hour": 8, "minute": 22}
